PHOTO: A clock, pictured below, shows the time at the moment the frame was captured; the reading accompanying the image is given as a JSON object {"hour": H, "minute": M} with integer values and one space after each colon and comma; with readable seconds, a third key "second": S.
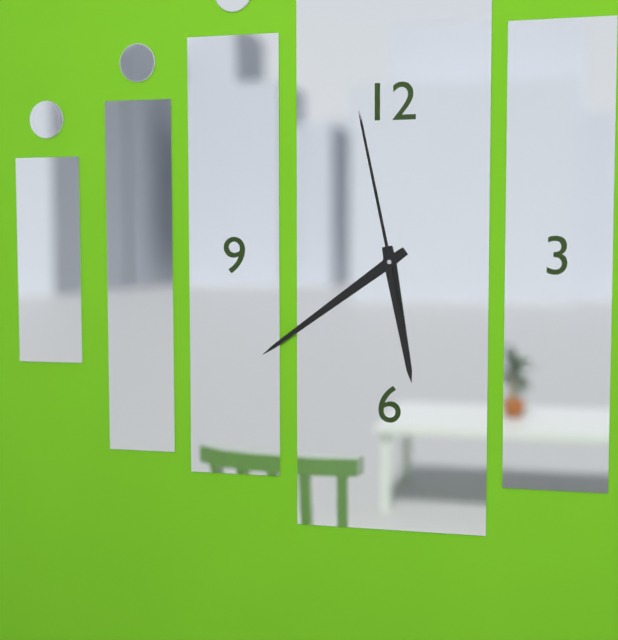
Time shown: {"hour": 5, "minute": 39, "second": 58}
